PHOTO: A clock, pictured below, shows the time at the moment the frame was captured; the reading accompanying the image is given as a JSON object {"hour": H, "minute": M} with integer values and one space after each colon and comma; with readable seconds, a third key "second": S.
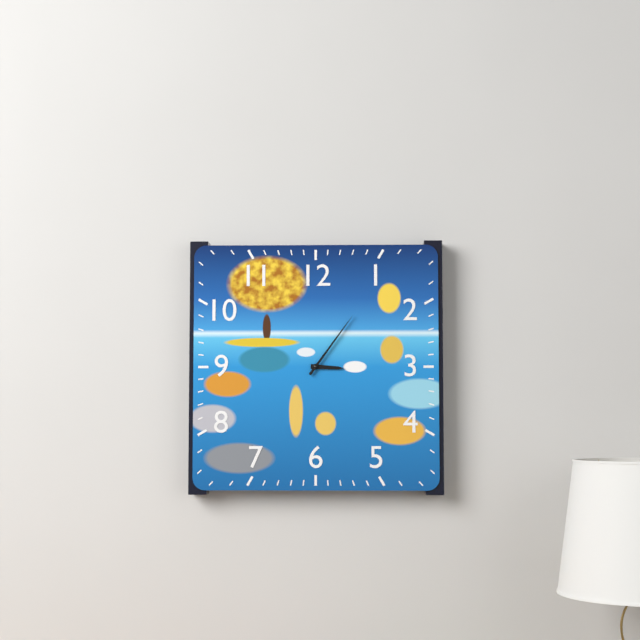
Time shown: {"hour": 3, "minute": 6}
